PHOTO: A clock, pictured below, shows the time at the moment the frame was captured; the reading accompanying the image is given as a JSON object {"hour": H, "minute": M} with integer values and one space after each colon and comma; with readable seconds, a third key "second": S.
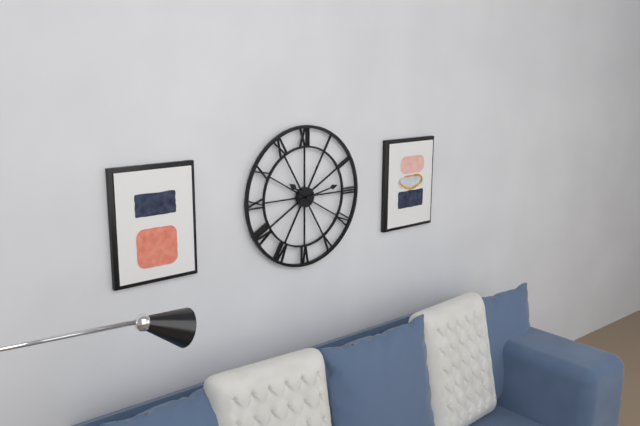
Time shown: {"hour": 10, "minute": 13}
